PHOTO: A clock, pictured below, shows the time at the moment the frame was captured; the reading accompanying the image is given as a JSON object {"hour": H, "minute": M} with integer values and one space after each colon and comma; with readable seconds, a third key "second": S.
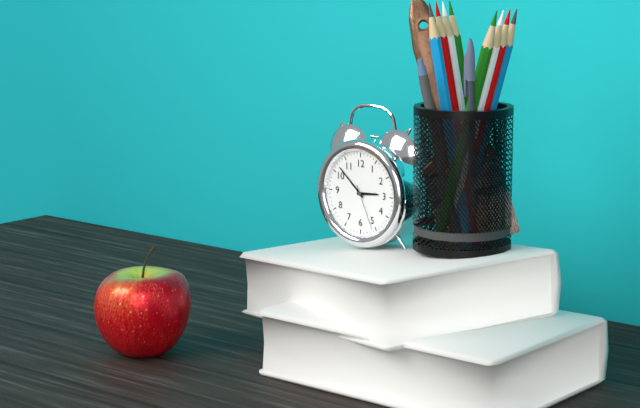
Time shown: {"hour": 2, "minute": 52}
